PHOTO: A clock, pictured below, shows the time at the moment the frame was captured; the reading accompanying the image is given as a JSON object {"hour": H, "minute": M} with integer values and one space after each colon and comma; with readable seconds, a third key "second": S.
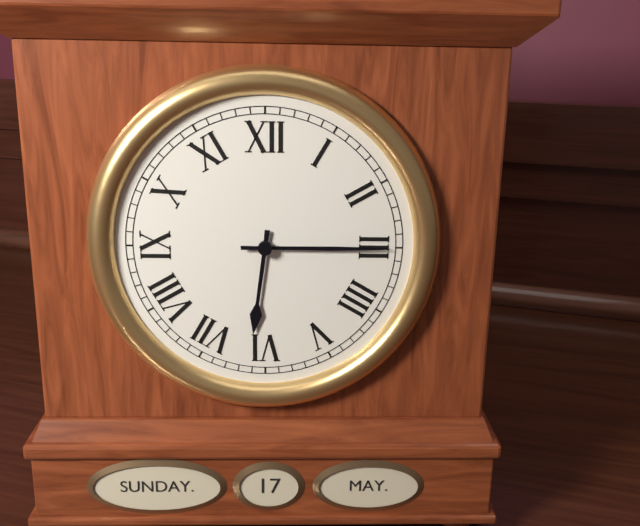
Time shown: {"hour": 6, "minute": 15}
